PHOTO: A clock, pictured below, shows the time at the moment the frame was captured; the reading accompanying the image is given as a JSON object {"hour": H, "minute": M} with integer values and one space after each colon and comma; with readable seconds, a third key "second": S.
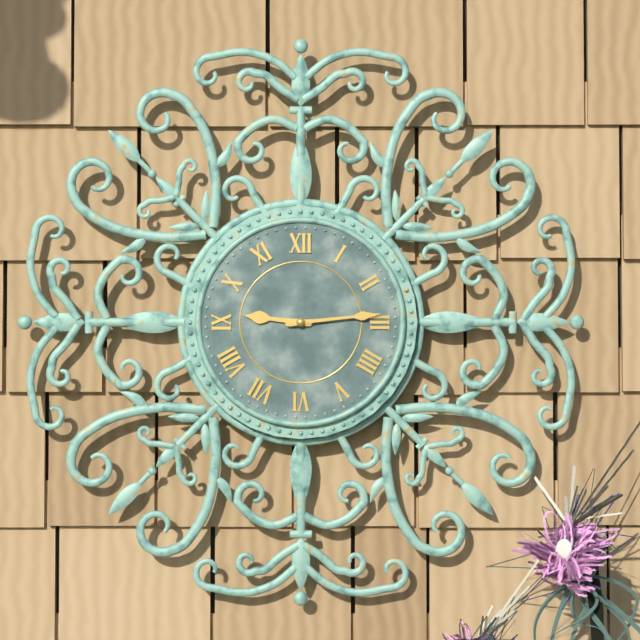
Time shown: {"hour": 9, "minute": 14}
